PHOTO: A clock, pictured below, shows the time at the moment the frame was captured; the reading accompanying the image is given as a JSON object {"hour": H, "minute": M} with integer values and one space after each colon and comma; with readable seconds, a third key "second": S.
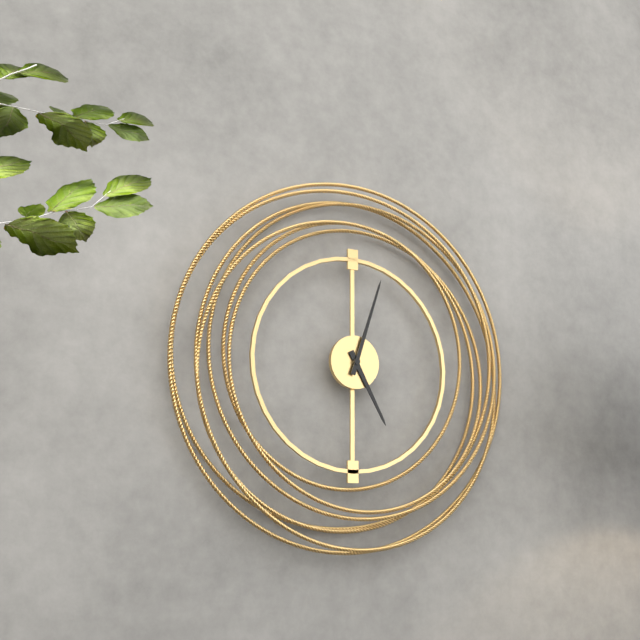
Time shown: {"hour": 5, "minute": 3}
